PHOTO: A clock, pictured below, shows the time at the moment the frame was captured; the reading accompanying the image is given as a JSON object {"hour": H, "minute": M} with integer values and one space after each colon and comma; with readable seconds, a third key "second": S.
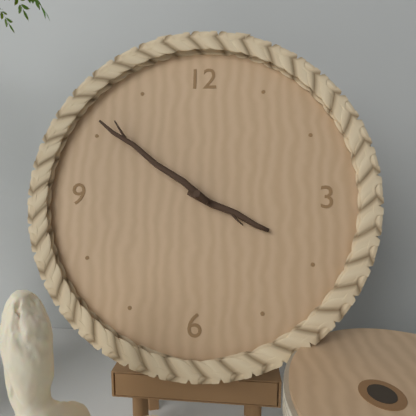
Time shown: {"hour": 3, "minute": 51}
